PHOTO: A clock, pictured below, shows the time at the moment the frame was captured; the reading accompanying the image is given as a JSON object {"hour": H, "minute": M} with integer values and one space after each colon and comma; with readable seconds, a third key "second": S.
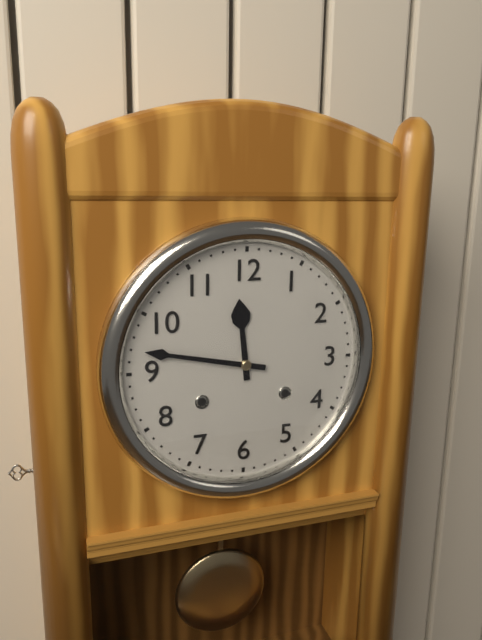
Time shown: {"hour": 11, "minute": 47}
